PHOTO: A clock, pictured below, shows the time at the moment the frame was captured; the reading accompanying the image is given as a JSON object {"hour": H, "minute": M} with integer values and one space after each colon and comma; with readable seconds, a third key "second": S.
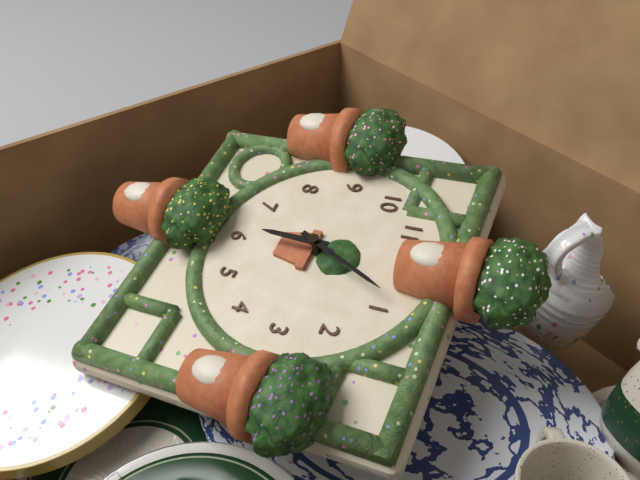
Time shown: {"hour": 6, "minute": 4}
